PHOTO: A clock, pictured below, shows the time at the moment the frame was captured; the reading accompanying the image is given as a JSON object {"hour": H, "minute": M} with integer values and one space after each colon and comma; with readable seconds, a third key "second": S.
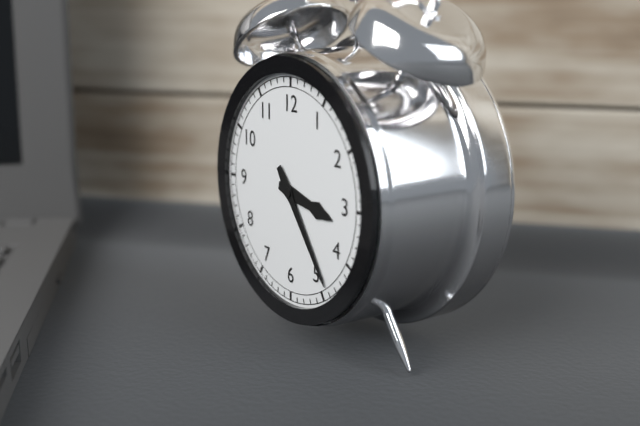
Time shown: {"hour": 3, "minute": 24}
